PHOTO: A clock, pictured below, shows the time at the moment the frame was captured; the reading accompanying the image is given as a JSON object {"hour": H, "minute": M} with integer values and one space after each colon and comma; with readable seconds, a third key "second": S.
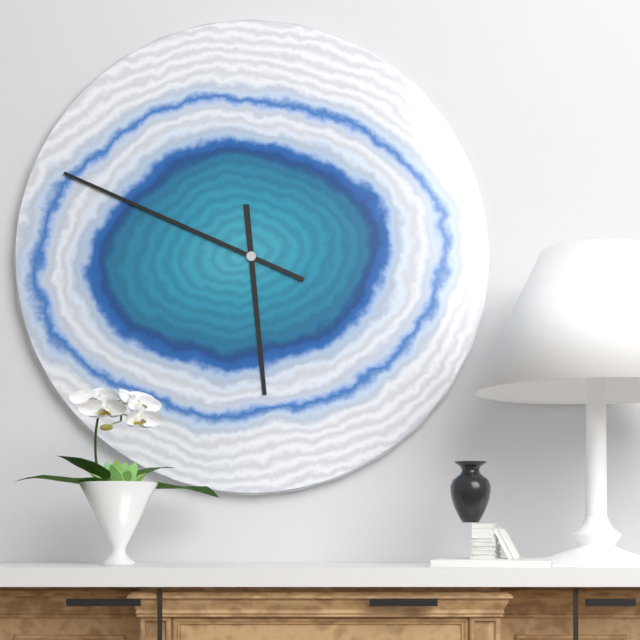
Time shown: {"hour": 5, "minute": 49}
